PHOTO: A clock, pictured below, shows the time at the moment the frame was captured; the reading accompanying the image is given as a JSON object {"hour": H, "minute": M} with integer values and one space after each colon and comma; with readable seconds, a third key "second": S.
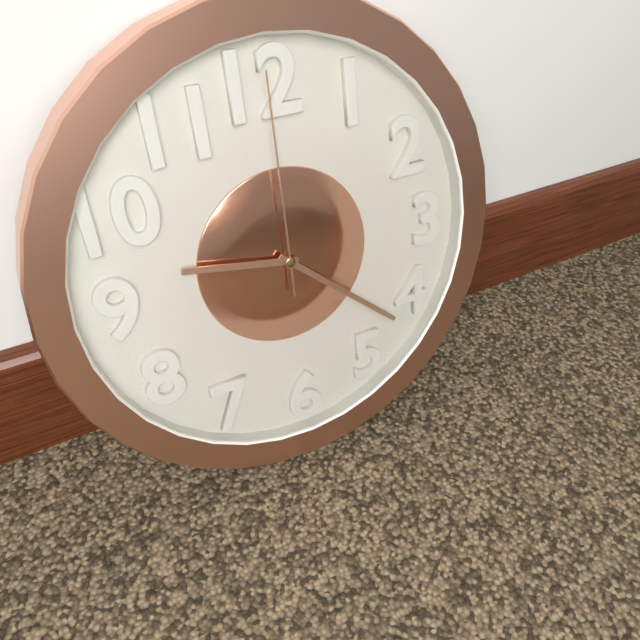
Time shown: {"hour": 9, "minute": 22, "second": 0}
